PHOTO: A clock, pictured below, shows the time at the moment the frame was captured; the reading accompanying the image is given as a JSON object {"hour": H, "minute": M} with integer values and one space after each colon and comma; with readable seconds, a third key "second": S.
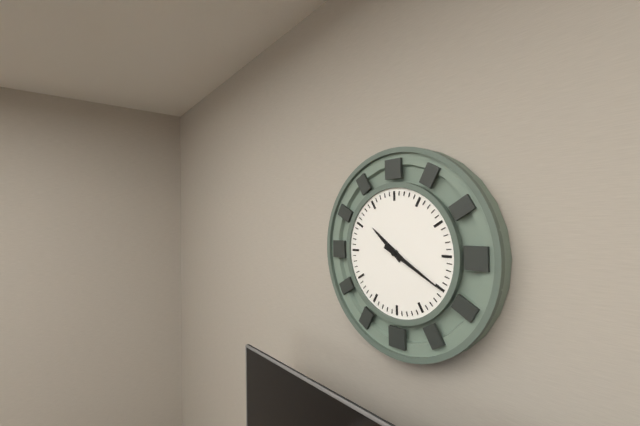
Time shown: {"hour": 10, "minute": 20}
